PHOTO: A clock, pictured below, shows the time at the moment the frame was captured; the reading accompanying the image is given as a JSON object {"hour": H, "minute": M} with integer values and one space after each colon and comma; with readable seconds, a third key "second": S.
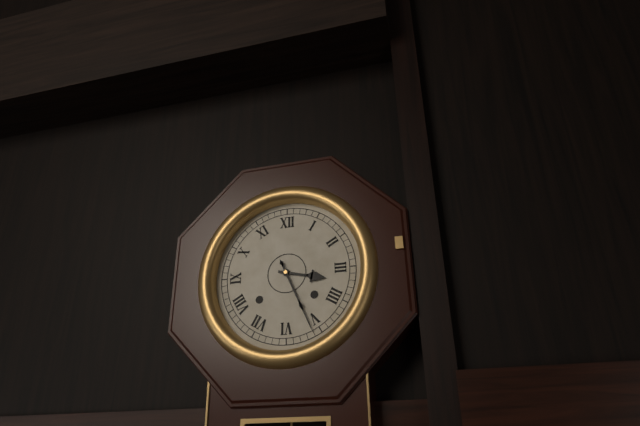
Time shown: {"hour": 3, "minute": 26}
